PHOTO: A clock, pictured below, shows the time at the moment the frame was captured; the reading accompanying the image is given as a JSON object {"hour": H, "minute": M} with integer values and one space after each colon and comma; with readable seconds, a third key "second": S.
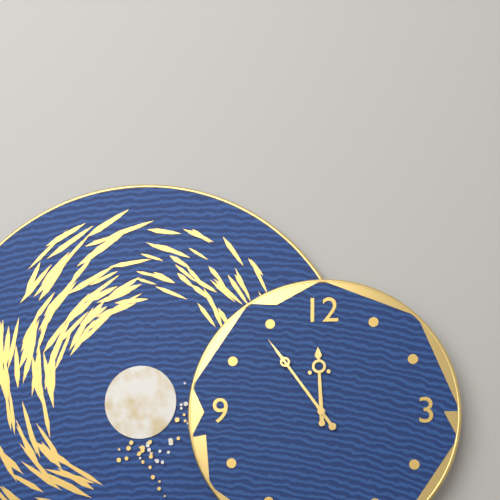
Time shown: {"hour": 11, "minute": 54}
